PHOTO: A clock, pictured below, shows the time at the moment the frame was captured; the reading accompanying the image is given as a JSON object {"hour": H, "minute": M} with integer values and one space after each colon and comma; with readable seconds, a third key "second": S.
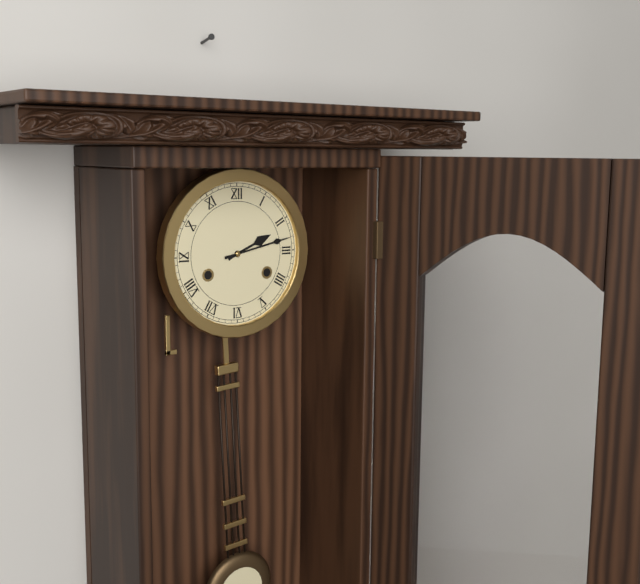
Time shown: {"hour": 2, "minute": 13}
